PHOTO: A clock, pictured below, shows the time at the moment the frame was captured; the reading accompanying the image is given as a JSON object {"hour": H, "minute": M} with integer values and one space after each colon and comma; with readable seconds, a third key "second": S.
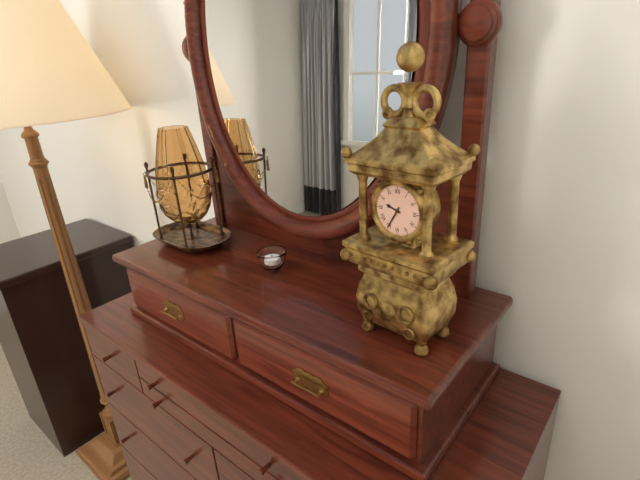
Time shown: {"hour": 9, "minute": 35}
